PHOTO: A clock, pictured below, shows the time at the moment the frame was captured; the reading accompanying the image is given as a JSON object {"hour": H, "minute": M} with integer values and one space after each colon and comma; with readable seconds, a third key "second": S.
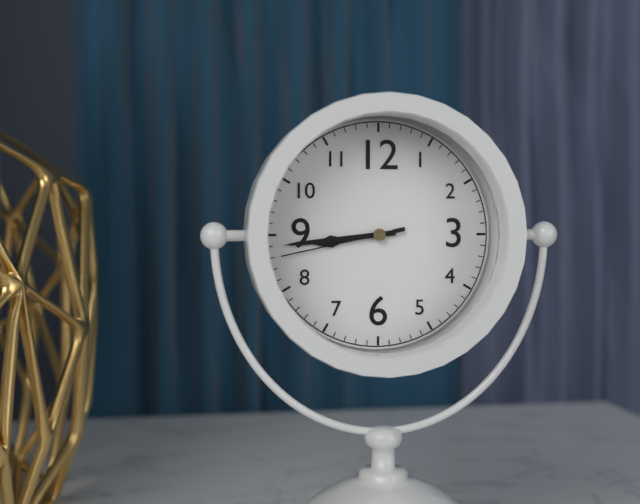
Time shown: {"hour": 8, "minute": 44, "second": 43}
